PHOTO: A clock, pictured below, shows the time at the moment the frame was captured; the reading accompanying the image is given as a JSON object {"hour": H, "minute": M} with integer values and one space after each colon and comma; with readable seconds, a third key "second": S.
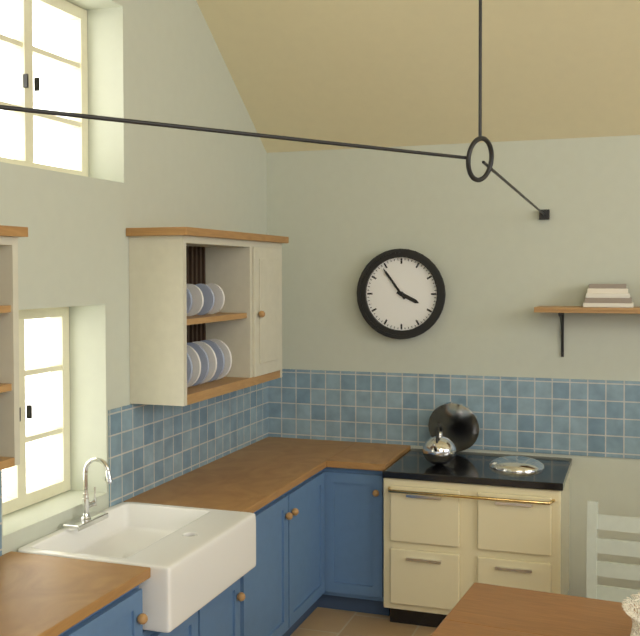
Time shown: {"hour": 3, "minute": 54}
